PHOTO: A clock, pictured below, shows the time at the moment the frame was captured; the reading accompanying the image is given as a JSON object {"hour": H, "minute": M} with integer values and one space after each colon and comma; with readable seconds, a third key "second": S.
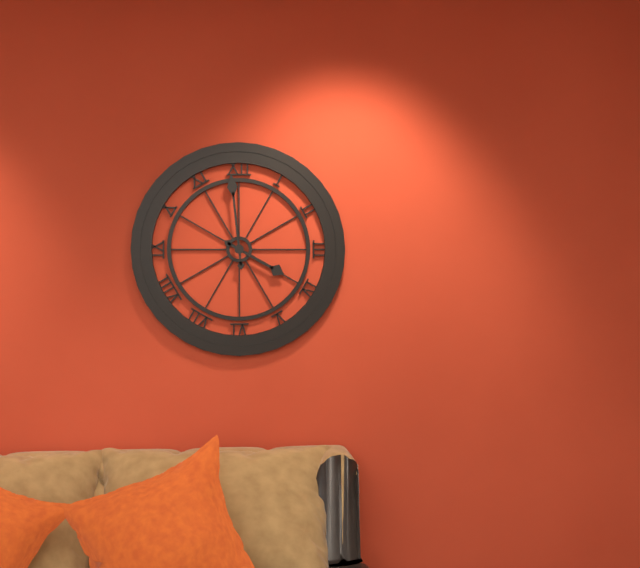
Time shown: {"hour": 3, "minute": 59}
